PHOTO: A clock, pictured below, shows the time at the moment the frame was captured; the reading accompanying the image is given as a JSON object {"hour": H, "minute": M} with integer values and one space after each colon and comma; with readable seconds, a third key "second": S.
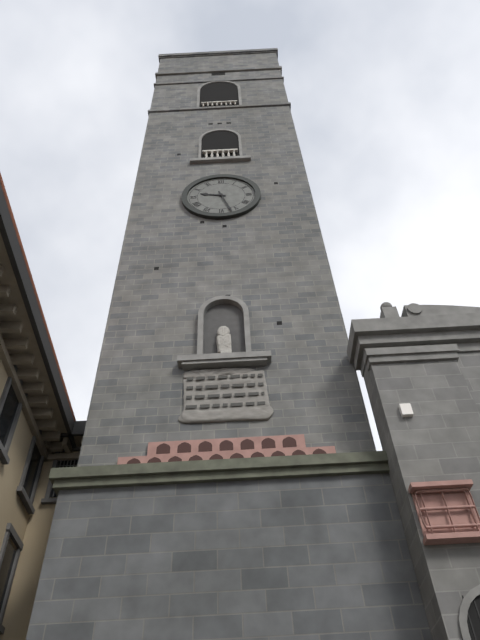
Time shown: {"hour": 9, "minute": 27}
